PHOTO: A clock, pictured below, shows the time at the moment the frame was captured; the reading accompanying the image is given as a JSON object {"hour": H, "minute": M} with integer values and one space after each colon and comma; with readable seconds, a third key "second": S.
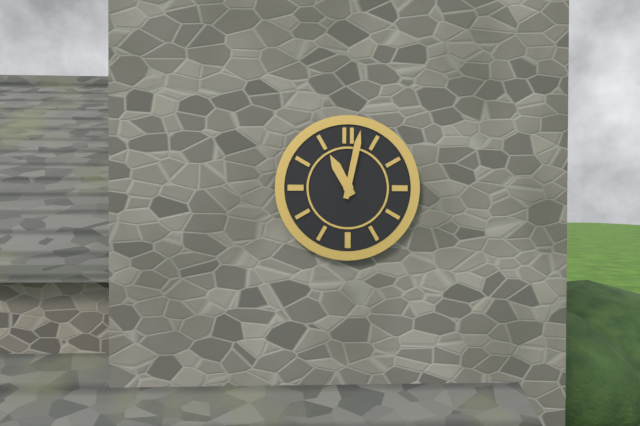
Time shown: {"hour": 11, "minute": 2}
